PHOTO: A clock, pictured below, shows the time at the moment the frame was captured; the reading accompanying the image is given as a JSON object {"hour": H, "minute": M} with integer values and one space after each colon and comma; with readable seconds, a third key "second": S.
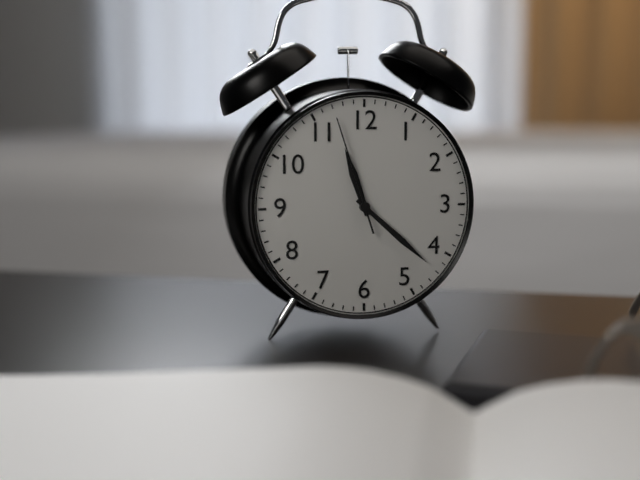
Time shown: {"hour": 11, "minute": 22, "second": 57}
